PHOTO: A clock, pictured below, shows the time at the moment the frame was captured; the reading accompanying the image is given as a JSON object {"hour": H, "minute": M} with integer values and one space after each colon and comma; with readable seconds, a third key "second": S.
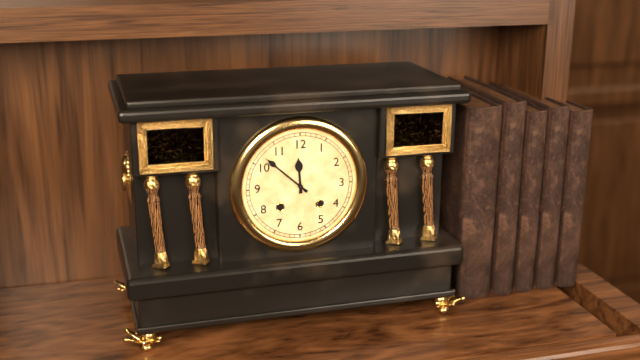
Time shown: {"hour": 11, "minute": 52}
